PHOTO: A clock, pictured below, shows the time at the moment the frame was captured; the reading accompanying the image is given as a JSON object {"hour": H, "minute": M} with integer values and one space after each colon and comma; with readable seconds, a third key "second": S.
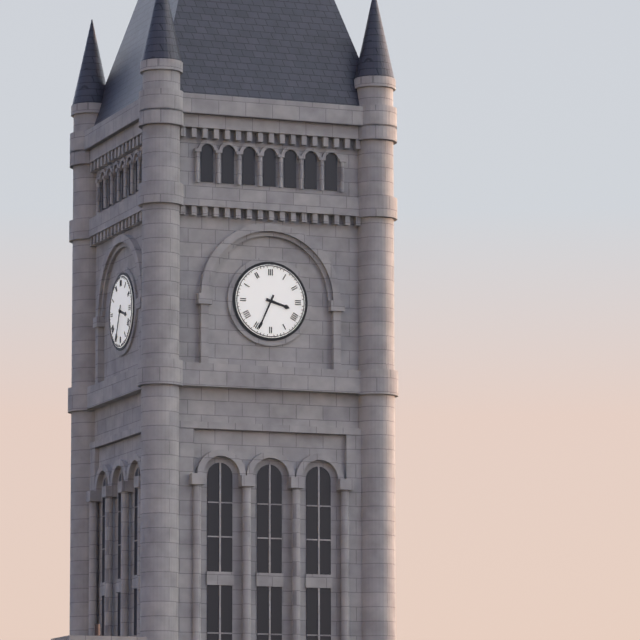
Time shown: {"hour": 3, "minute": 34}
